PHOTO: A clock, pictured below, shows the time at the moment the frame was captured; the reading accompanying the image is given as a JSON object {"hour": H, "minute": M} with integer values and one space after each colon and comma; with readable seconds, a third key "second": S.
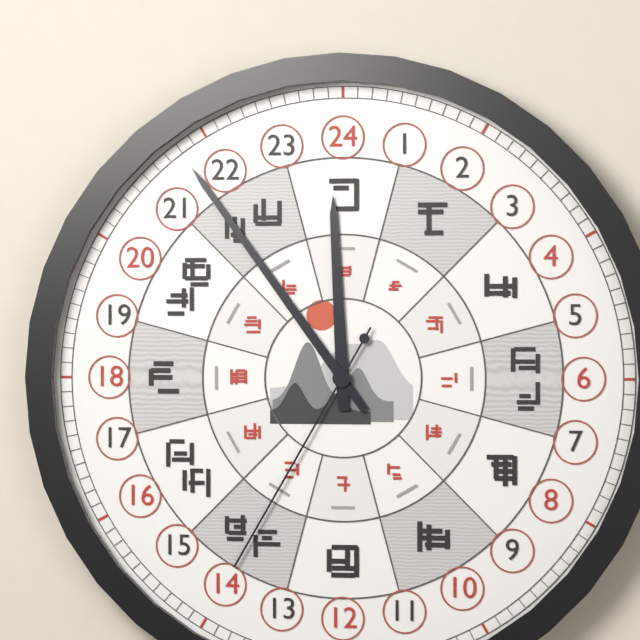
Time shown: {"hour": 11, "minute": 54, "second": 35}
